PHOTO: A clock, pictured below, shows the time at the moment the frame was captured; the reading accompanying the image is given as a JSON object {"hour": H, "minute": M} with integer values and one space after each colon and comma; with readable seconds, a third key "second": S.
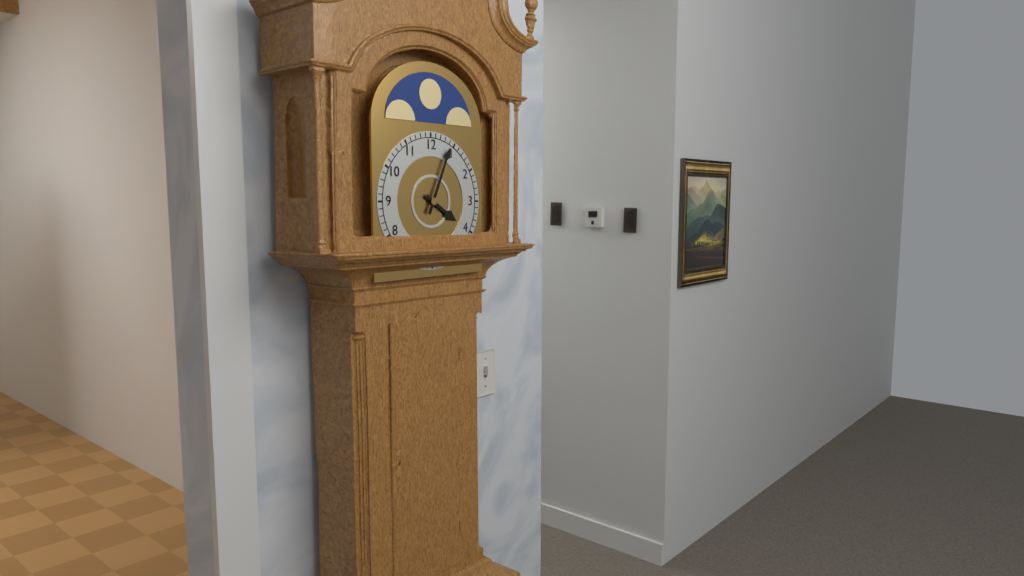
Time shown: {"hour": 4, "minute": 4}
